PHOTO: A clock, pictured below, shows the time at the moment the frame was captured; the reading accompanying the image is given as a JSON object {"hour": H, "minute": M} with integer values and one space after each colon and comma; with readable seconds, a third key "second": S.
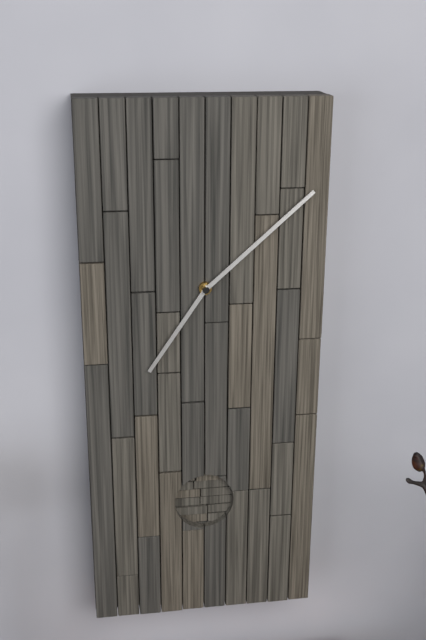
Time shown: {"hour": 7, "minute": 8}
